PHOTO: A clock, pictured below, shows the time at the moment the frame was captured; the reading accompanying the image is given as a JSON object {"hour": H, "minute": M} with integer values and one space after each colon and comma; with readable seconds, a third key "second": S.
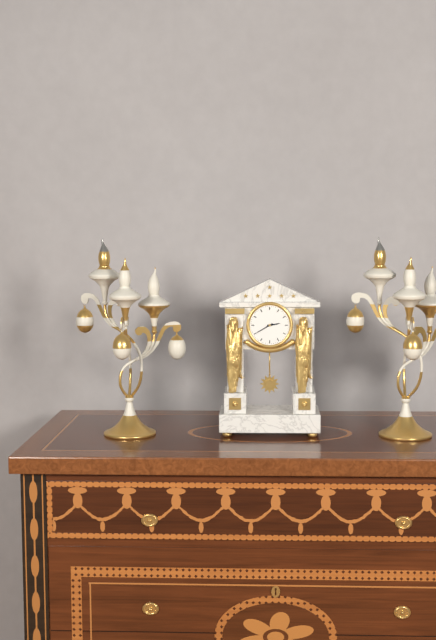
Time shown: {"hour": 2, "minute": 40}
